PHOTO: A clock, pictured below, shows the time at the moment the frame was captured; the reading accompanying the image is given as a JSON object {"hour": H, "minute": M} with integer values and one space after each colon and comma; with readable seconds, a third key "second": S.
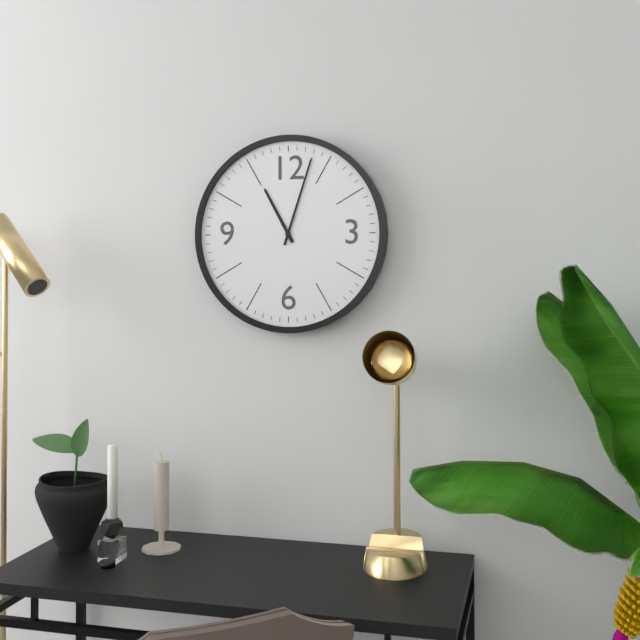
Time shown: {"hour": 11, "minute": 3}
